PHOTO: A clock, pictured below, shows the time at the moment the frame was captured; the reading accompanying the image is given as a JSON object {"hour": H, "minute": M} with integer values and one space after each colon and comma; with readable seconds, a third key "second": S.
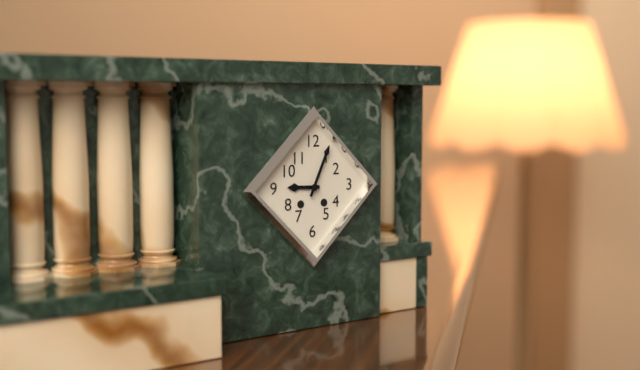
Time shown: {"hour": 9, "minute": 4}
